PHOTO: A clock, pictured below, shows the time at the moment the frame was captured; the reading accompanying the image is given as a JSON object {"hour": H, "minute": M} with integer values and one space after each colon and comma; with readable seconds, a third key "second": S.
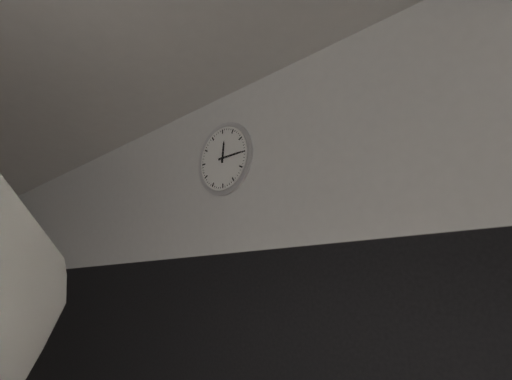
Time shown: {"hour": 12, "minute": 15}
